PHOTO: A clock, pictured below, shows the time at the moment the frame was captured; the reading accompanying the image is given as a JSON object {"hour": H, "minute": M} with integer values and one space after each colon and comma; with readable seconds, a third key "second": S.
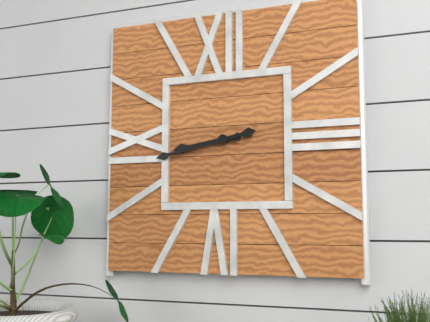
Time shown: {"hour": 8, "minute": 43}
